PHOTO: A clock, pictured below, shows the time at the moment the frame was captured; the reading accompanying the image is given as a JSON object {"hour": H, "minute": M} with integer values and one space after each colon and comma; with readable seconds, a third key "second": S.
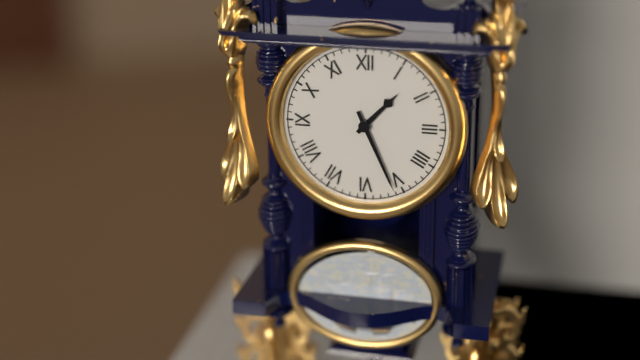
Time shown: {"hour": 1, "minute": 26}
